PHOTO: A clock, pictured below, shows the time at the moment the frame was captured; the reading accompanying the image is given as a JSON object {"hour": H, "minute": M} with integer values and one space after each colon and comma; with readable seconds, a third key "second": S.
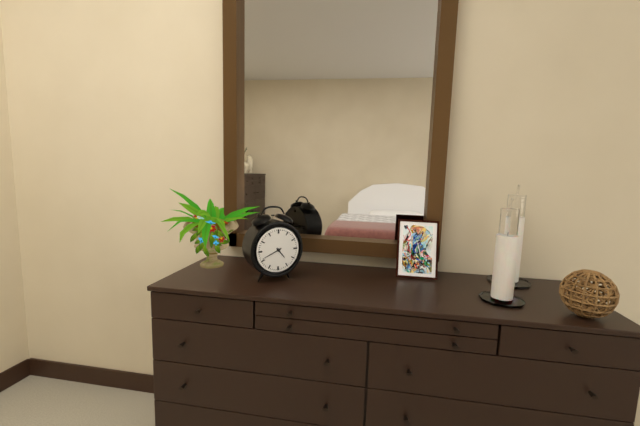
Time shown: {"hour": 4, "minute": 41}
